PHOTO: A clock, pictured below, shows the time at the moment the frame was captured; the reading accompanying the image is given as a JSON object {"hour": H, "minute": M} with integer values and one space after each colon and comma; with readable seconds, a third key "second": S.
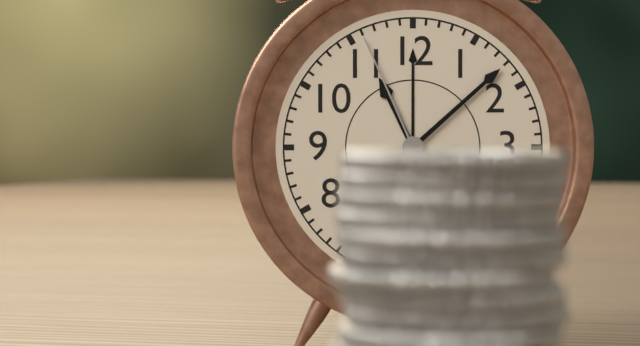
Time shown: {"hour": 11, "minute": 8, "second": 56}
